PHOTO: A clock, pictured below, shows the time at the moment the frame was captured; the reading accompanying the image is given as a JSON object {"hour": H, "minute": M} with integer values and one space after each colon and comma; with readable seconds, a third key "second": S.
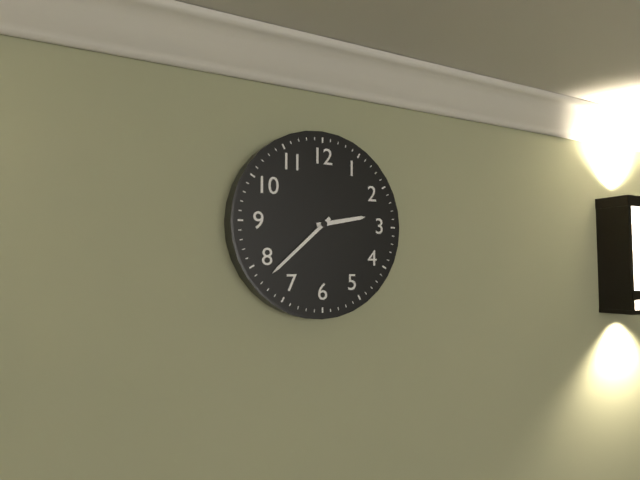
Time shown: {"hour": 2, "minute": 38}
